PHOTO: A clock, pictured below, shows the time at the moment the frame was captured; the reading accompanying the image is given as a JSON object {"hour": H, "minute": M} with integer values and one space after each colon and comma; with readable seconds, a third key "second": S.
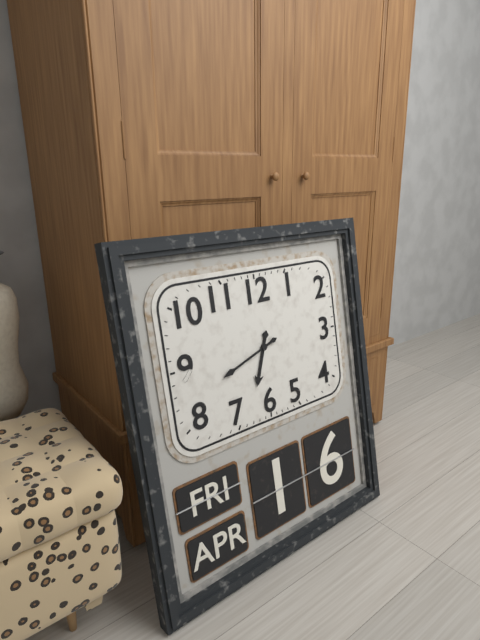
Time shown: {"hour": 6, "minute": 42}
